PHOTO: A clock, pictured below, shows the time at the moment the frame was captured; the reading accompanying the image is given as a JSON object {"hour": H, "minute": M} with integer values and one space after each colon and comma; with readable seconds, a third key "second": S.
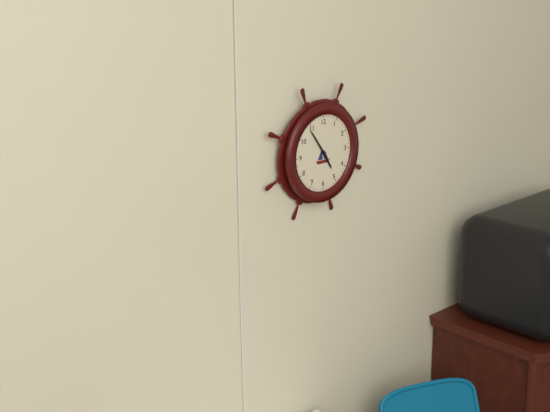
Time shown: {"hour": 4, "minute": 54}
